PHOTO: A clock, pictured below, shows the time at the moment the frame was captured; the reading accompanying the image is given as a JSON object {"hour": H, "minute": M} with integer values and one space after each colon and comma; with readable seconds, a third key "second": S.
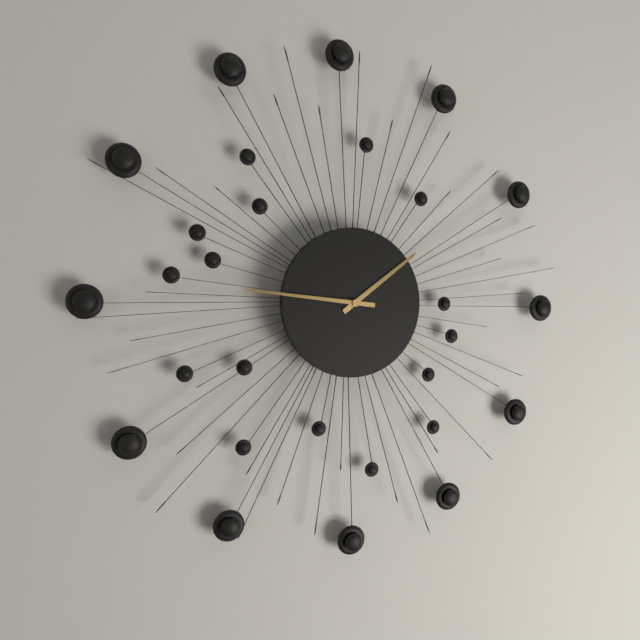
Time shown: {"hour": 1, "minute": 46}
